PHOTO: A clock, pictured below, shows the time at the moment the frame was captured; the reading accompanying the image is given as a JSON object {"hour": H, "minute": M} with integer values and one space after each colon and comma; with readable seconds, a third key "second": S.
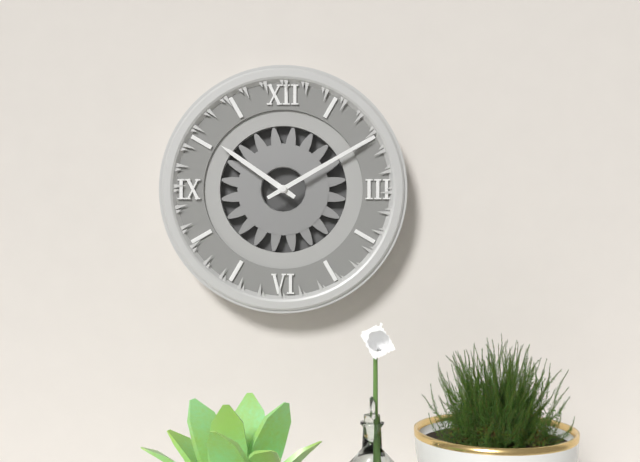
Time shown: {"hour": 10, "minute": 10}
